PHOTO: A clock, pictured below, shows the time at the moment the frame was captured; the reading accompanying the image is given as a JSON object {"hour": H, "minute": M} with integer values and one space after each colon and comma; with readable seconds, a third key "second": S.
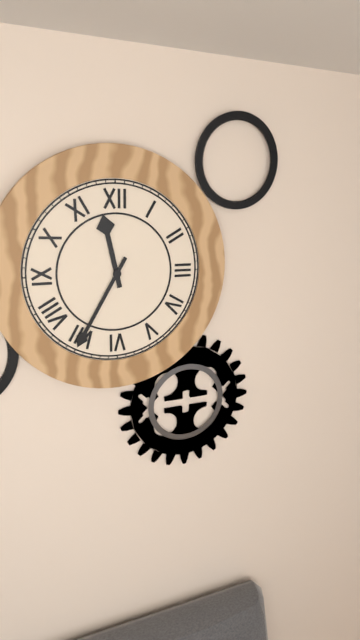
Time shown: {"hour": 11, "minute": 35}
